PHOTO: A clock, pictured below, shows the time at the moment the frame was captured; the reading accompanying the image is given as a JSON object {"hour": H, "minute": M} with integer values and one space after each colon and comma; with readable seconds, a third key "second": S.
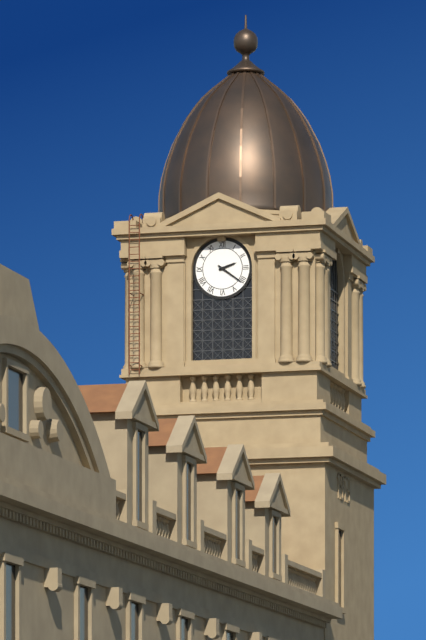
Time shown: {"hour": 2, "minute": 21}
